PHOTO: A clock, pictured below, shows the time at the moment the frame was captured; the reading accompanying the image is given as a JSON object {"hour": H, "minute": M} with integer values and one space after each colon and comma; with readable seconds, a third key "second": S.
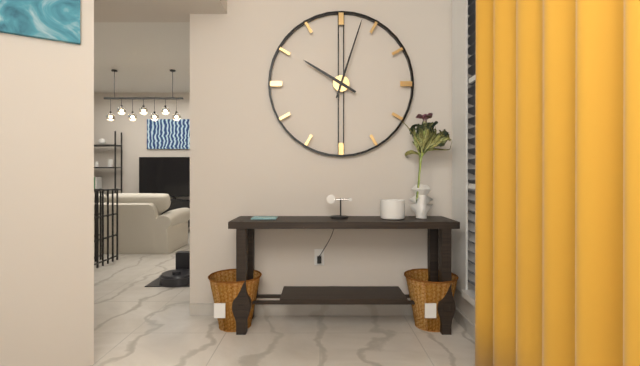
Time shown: {"hour": 10, "minute": 3}
